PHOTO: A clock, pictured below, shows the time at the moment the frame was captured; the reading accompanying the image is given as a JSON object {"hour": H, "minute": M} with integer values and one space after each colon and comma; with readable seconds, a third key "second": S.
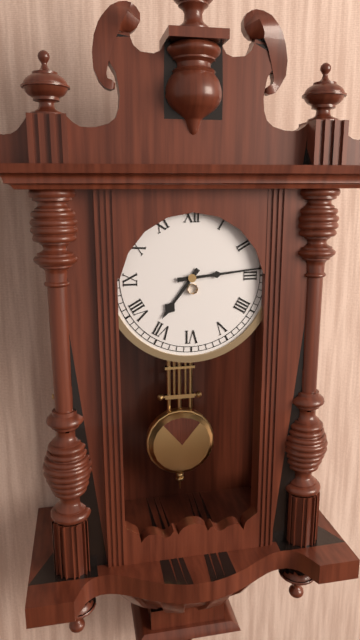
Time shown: {"hour": 7, "minute": 14}
